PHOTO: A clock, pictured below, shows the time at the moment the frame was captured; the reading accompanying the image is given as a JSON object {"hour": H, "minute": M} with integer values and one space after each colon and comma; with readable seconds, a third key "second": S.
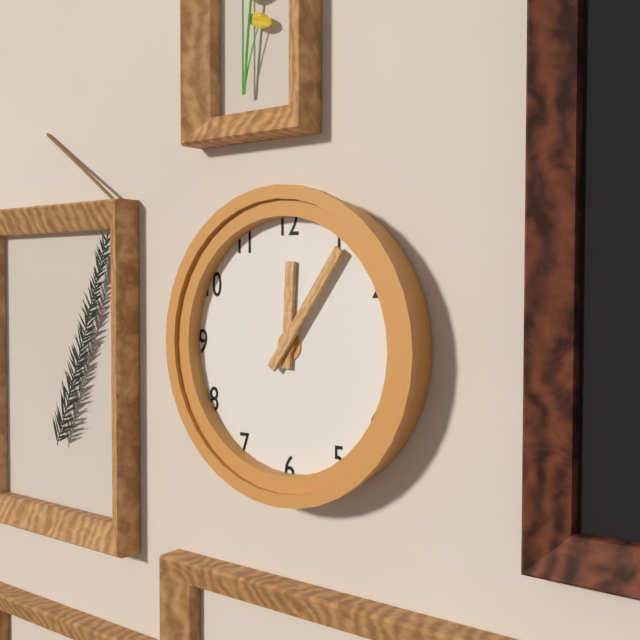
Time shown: {"hour": 12, "minute": 6}
